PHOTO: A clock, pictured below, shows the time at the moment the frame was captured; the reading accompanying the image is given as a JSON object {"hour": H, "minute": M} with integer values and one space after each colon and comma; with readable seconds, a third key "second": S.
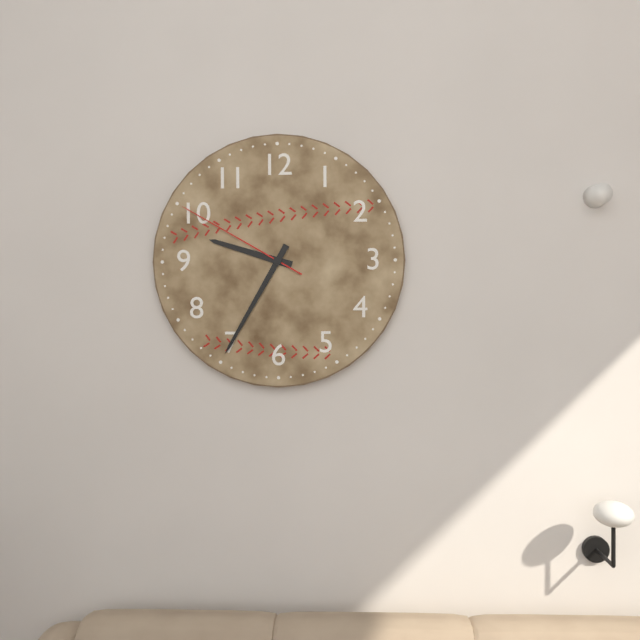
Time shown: {"hour": 9, "minute": 35, "second": 50}
